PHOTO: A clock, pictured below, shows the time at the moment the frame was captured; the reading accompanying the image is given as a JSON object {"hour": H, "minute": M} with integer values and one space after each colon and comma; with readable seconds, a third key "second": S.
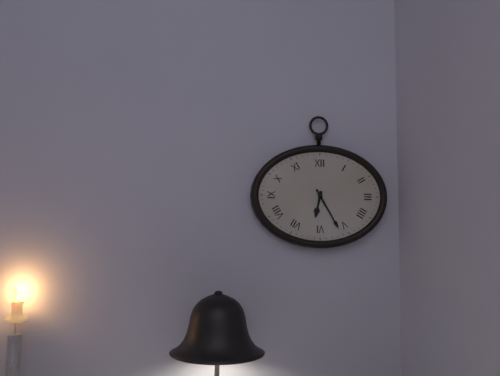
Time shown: {"hour": 6, "minute": 25}
